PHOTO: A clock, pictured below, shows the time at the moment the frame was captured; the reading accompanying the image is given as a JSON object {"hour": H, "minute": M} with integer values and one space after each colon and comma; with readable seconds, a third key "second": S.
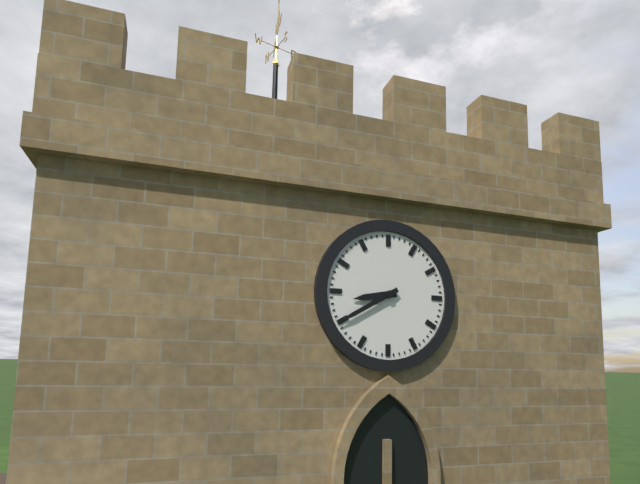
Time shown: {"hour": 8, "minute": 40}
